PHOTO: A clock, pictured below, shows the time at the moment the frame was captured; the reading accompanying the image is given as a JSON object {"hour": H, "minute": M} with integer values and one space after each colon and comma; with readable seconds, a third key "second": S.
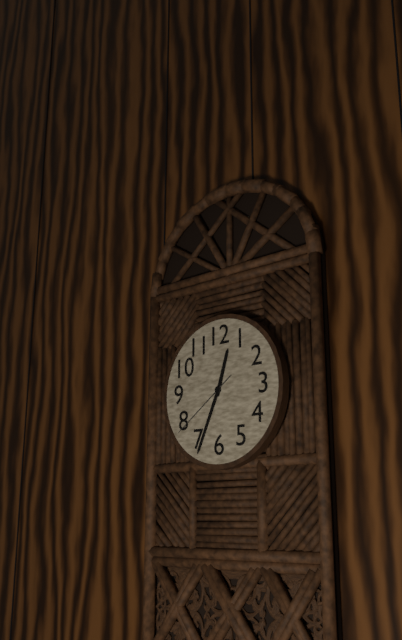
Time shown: {"hour": 12, "minute": 34, "second": 39}
